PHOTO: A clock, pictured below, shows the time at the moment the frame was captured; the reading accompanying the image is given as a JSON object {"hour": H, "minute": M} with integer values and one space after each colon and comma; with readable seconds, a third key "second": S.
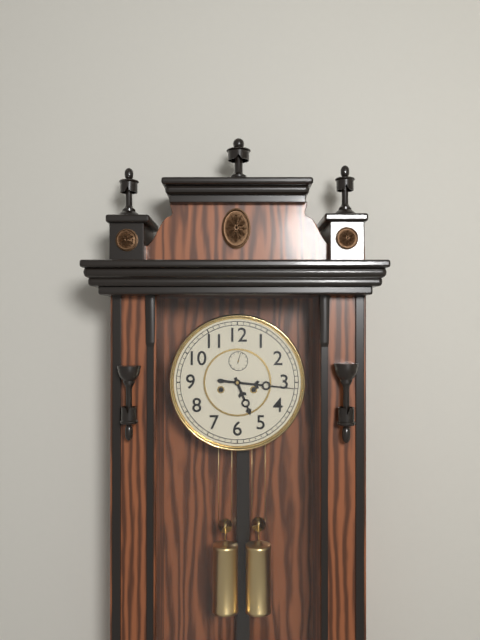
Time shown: {"hour": 5, "minute": 16}
